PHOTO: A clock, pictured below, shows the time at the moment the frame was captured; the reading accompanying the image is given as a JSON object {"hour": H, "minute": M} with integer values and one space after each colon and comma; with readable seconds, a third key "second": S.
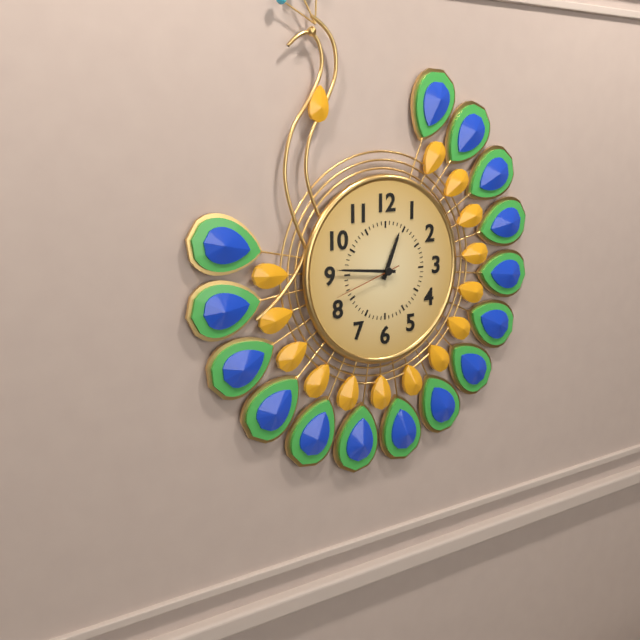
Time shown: {"hour": 12, "minute": 46, "second": 42}
